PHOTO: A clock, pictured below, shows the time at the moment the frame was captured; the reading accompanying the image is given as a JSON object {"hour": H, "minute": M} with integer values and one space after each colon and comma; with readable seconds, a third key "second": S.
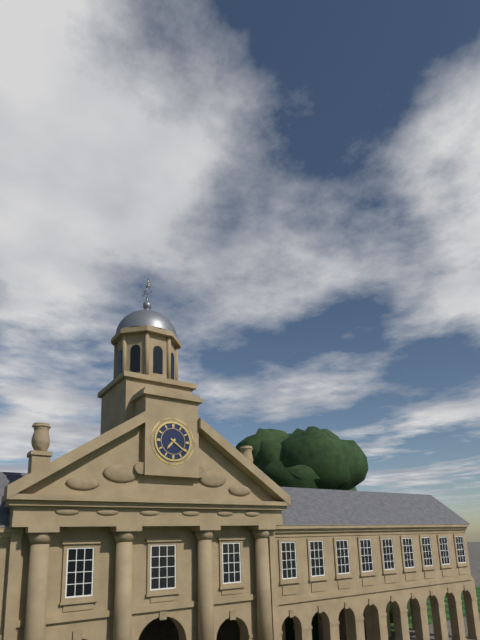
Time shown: {"hour": 7, "minute": 21}
